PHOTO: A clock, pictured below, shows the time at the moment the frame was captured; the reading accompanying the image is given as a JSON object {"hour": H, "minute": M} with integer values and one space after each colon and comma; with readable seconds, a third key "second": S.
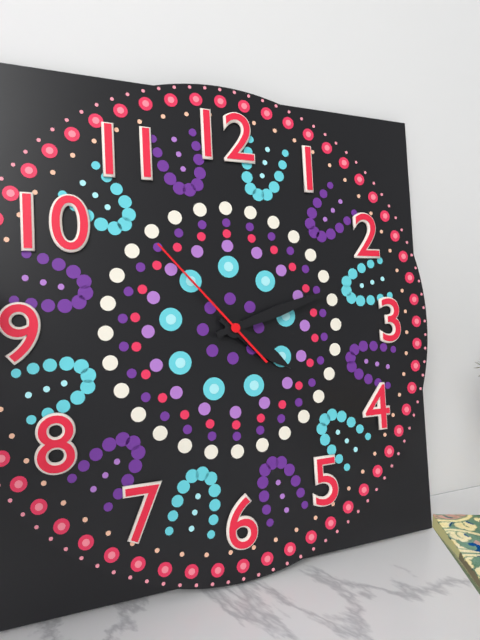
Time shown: {"hour": 4, "minute": 12, "second": 53}
